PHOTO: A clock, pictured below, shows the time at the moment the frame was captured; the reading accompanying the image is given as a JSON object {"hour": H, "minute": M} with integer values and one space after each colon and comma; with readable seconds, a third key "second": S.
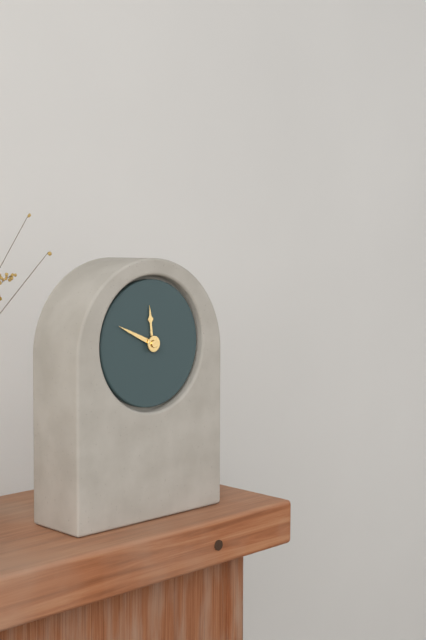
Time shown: {"hour": 11, "minute": 49}
